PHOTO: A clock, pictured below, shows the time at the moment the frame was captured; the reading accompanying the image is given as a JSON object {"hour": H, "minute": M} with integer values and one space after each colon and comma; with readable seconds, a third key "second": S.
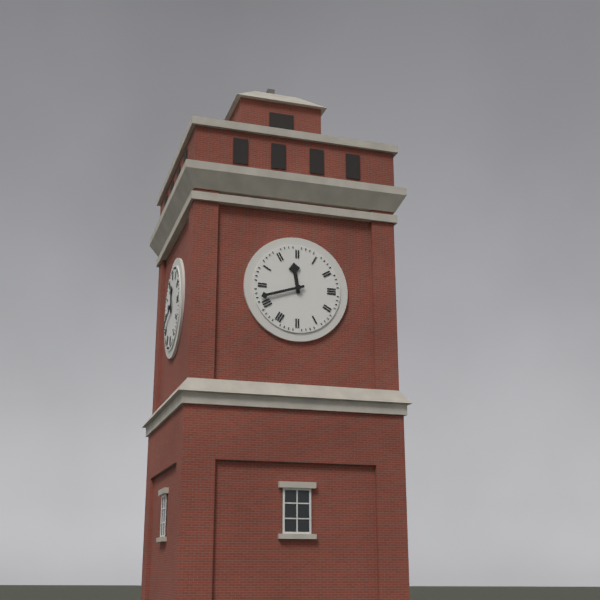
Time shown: {"hour": 11, "minute": 42}
